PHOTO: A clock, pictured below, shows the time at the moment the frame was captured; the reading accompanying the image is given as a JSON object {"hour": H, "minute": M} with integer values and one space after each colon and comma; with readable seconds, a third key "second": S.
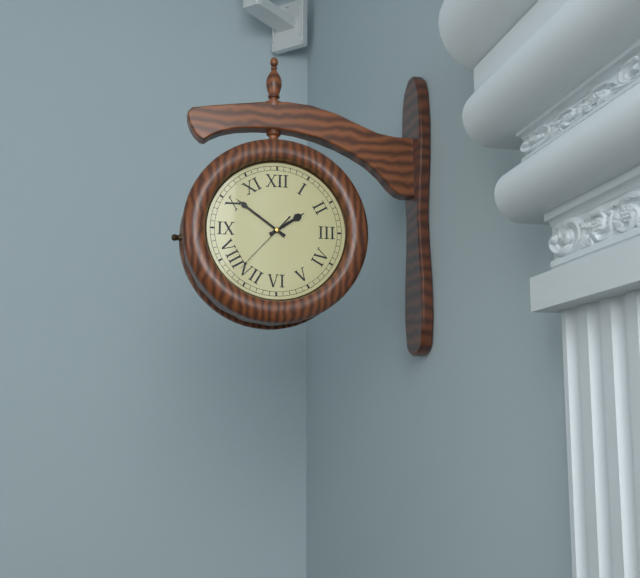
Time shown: {"hour": 1, "minute": 51, "second": 37}
